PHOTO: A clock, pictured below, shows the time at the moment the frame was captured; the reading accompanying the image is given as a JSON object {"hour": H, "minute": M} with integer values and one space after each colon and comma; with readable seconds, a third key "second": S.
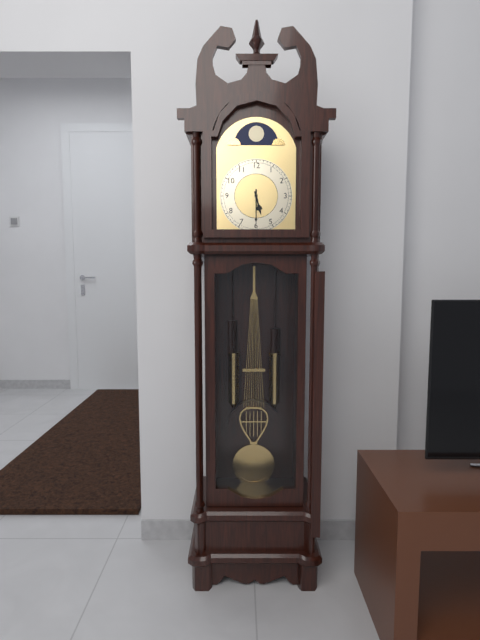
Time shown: {"hour": 5, "minute": 30}
